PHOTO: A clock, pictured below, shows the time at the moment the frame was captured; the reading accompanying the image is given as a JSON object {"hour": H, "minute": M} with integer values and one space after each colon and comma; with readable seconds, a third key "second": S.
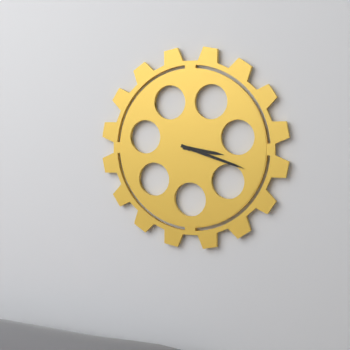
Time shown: {"hour": 3, "minute": 18}
